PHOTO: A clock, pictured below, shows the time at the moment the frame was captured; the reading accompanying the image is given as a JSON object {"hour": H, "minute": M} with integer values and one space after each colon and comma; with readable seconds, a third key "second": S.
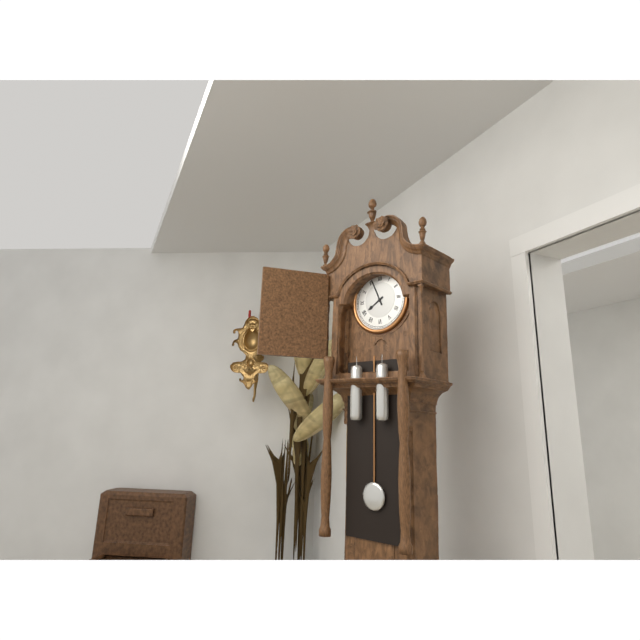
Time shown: {"hour": 7, "minute": 56}
